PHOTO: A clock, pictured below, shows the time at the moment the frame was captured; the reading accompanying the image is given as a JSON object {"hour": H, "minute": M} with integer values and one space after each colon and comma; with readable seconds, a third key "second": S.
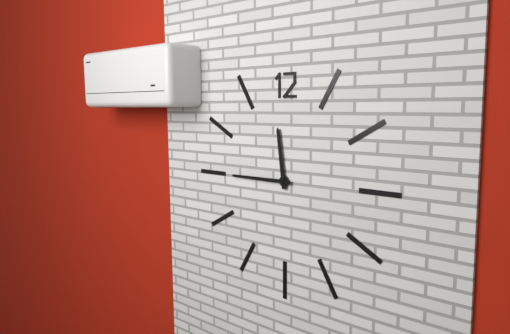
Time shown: {"hour": 11, "minute": 45}
